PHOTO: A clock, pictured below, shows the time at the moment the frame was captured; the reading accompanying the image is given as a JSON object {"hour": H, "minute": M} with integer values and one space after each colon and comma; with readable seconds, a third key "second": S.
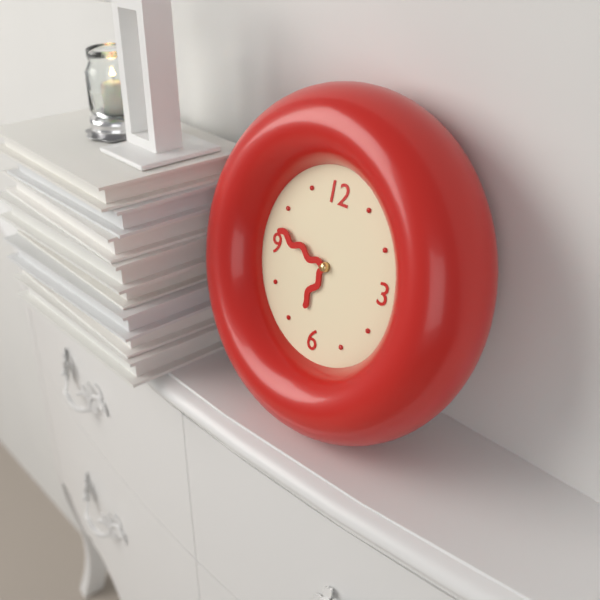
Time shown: {"hour": 6, "minute": 47}
